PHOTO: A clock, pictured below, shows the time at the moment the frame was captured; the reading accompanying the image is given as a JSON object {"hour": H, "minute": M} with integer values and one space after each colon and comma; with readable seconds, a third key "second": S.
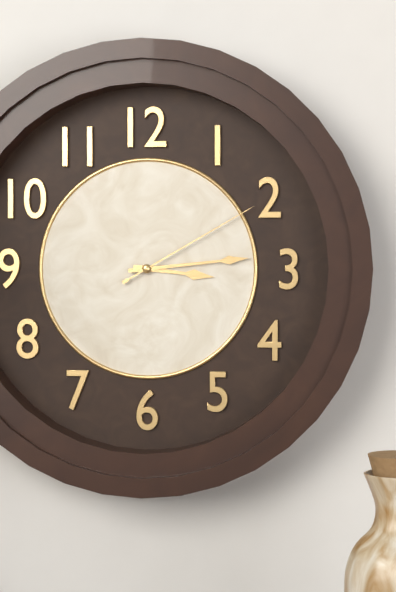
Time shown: {"hour": 3, "minute": 14, "second": 10}
